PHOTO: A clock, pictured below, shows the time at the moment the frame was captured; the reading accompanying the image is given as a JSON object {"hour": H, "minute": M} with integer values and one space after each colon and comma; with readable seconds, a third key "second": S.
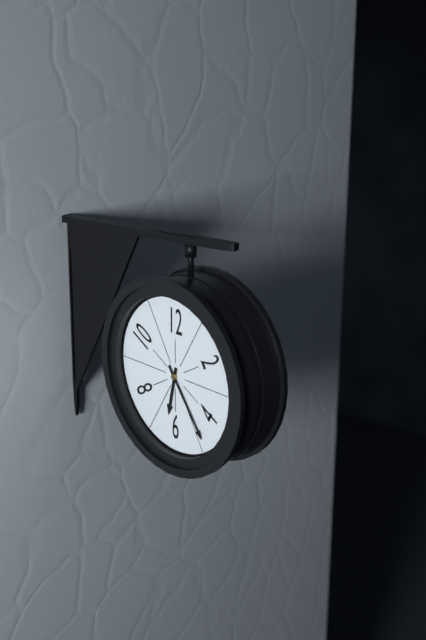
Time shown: {"hour": 6, "minute": 24}
